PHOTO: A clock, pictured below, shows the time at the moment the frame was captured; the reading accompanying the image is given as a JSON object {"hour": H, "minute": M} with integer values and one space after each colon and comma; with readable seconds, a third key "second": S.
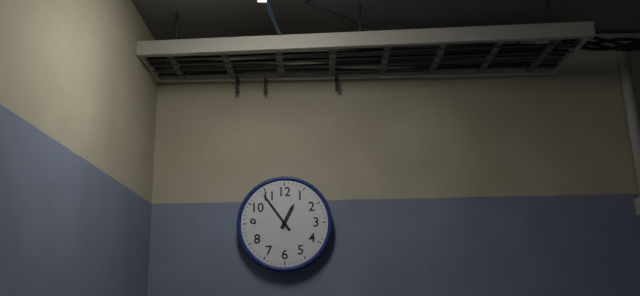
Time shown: {"hour": 12, "minute": 54}
